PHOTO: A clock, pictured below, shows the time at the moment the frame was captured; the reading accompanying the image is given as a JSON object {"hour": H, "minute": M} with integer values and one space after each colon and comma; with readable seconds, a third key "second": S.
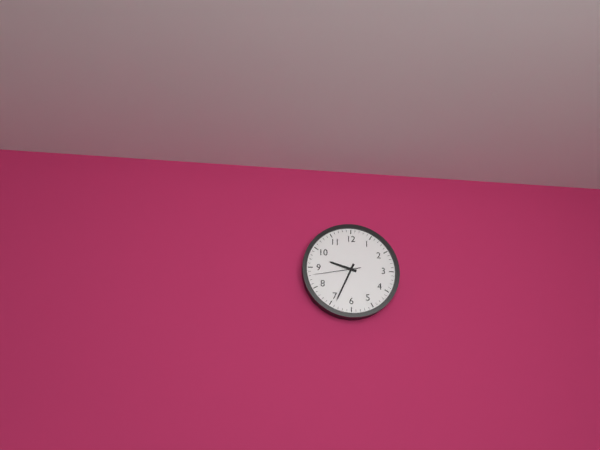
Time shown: {"hour": 9, "minute": 34}
